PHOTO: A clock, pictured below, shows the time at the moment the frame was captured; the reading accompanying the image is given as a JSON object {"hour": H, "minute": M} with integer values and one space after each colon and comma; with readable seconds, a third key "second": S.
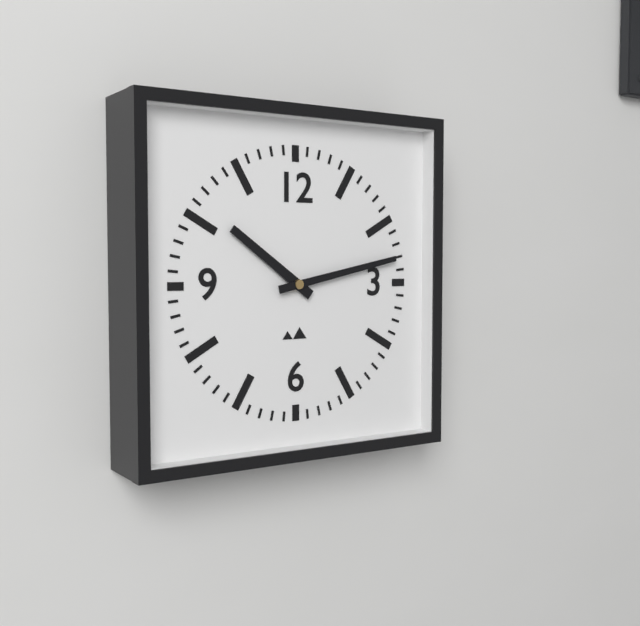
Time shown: {"hour": 10, "minute": 13}
